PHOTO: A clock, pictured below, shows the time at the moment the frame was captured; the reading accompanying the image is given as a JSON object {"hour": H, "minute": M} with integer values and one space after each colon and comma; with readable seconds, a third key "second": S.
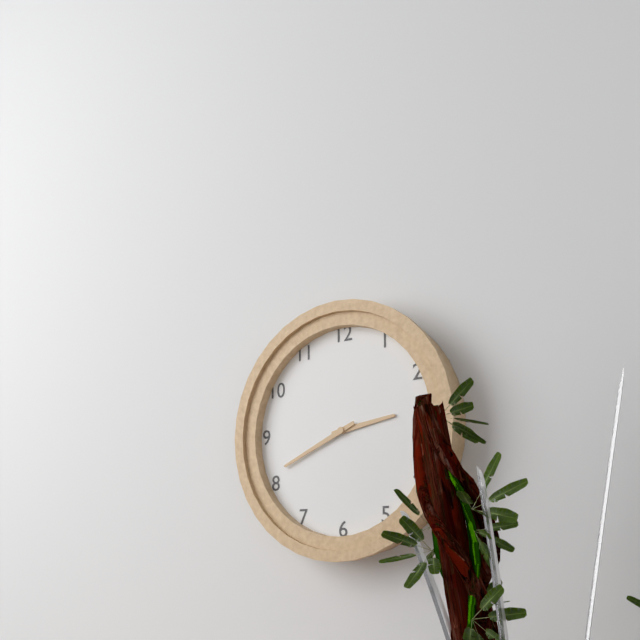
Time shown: {"hour": 2, "minute": 41}
